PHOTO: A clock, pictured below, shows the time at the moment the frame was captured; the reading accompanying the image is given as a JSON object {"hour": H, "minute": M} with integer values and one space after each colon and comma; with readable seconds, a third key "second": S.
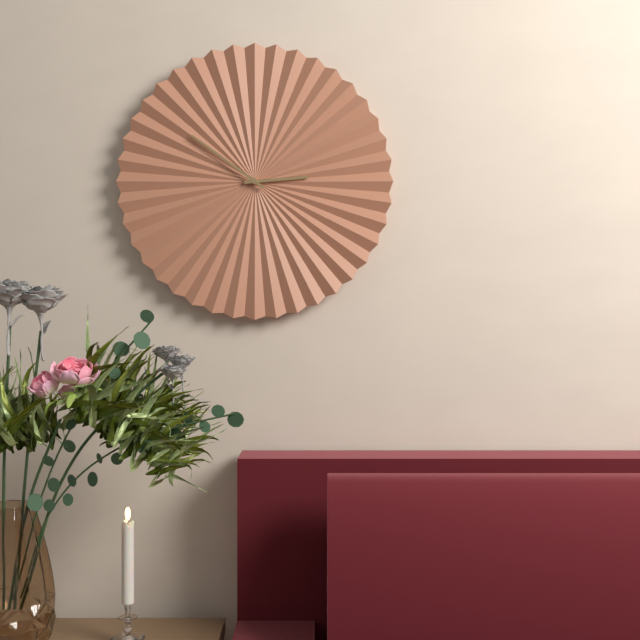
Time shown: {"hour": 2, "minute": 51}
